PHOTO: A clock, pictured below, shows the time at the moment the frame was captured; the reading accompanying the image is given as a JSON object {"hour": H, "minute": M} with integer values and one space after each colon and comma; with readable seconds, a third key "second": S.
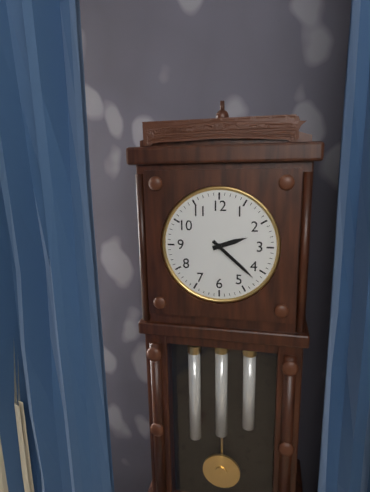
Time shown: {"hour": 2, "minute": 22}
